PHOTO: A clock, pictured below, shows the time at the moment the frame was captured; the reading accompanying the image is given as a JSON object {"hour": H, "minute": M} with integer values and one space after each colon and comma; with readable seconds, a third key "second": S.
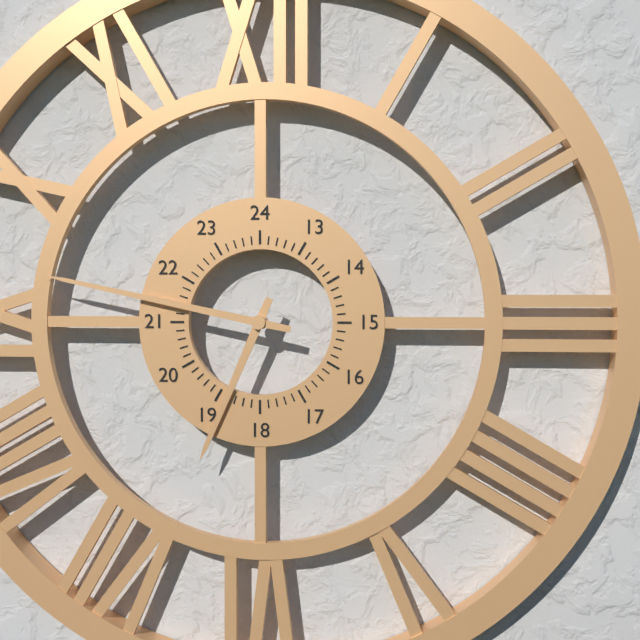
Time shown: {"hour": 6, "minute": 47}
